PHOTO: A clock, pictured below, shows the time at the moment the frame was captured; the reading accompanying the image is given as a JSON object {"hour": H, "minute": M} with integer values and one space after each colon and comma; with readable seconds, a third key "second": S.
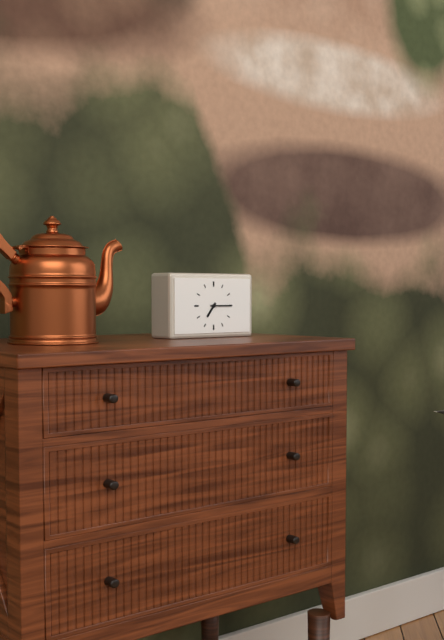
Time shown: {"hour": 7, "minute": 15}
